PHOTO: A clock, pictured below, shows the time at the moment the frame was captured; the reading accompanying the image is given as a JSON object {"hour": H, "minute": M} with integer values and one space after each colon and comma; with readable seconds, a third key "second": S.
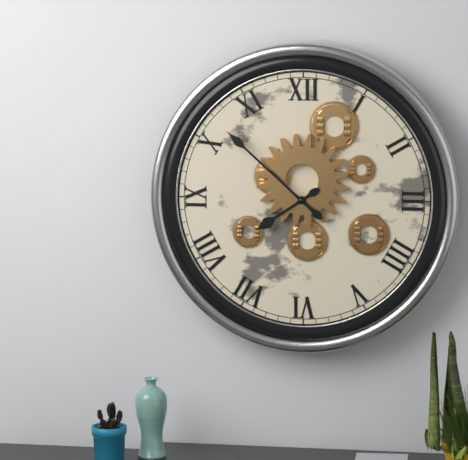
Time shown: {"hour": 7, "minute": 52}
